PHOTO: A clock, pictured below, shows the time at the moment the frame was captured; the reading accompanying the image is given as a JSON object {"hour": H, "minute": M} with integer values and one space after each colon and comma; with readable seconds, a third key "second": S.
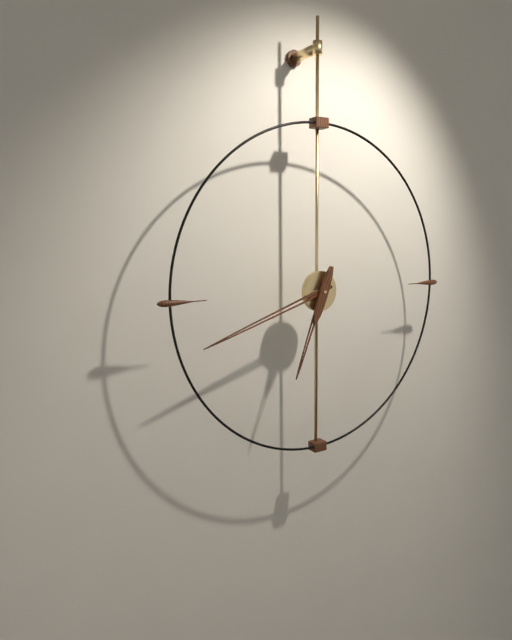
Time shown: {"hour": 6, "minute": 42}
